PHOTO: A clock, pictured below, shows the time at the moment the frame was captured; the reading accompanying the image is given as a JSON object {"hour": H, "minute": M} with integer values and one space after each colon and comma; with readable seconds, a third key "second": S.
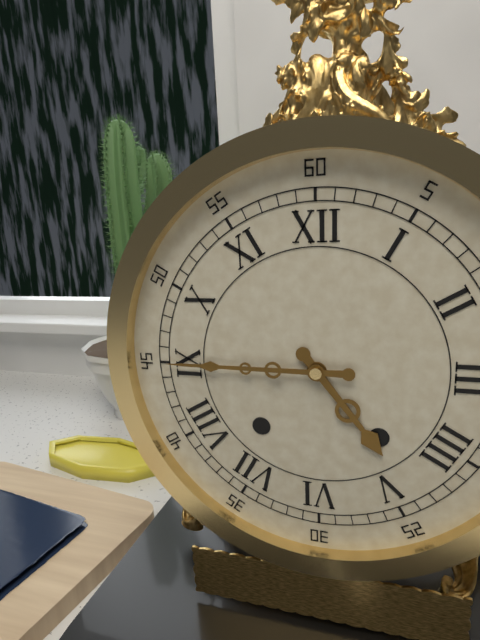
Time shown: {"hour": 4, "minute": 45}
